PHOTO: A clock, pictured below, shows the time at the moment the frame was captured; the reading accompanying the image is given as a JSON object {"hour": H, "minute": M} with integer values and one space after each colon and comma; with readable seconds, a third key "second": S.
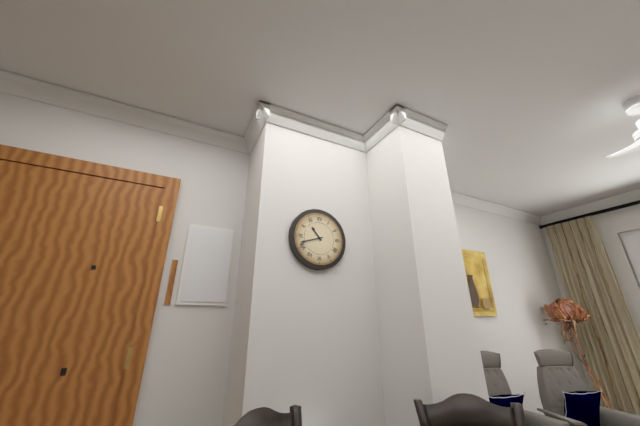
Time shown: {"hour": 10, "minute": 42}
